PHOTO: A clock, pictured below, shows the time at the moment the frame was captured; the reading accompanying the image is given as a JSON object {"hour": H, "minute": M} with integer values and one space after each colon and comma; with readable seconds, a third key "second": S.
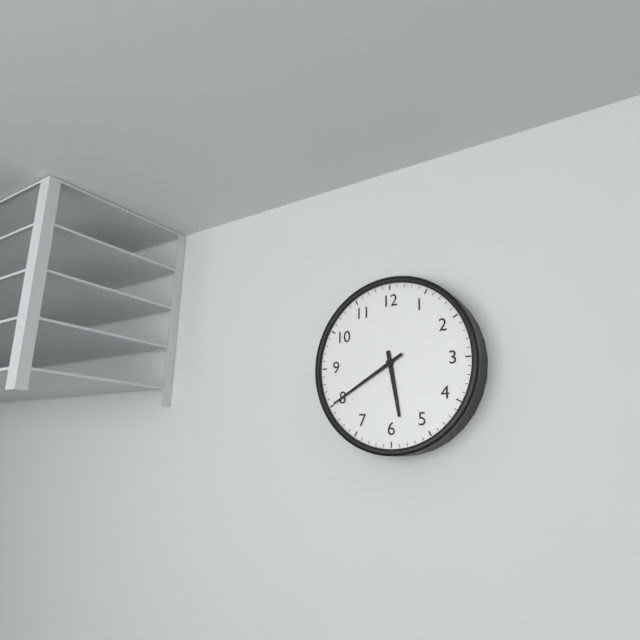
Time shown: {"hour": 5, "minute": 40}
